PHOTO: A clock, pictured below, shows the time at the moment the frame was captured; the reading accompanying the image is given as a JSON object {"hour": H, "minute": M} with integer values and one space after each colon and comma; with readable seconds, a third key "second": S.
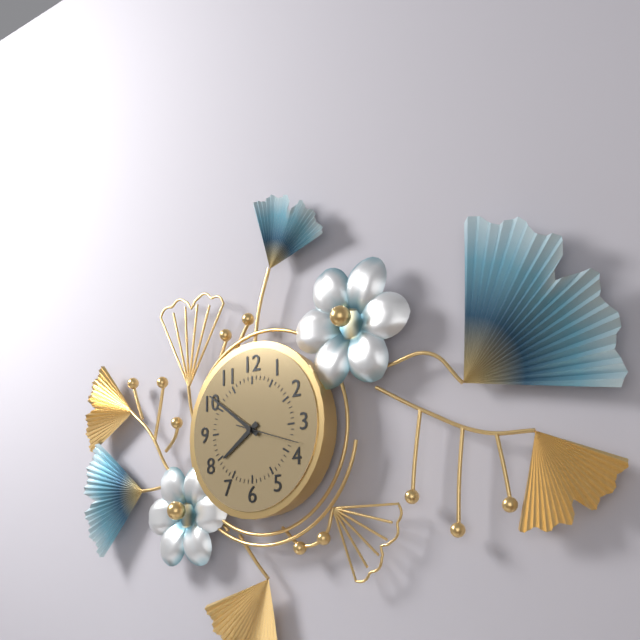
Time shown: {"hour": 7, "minute": 51, "second": 18}
